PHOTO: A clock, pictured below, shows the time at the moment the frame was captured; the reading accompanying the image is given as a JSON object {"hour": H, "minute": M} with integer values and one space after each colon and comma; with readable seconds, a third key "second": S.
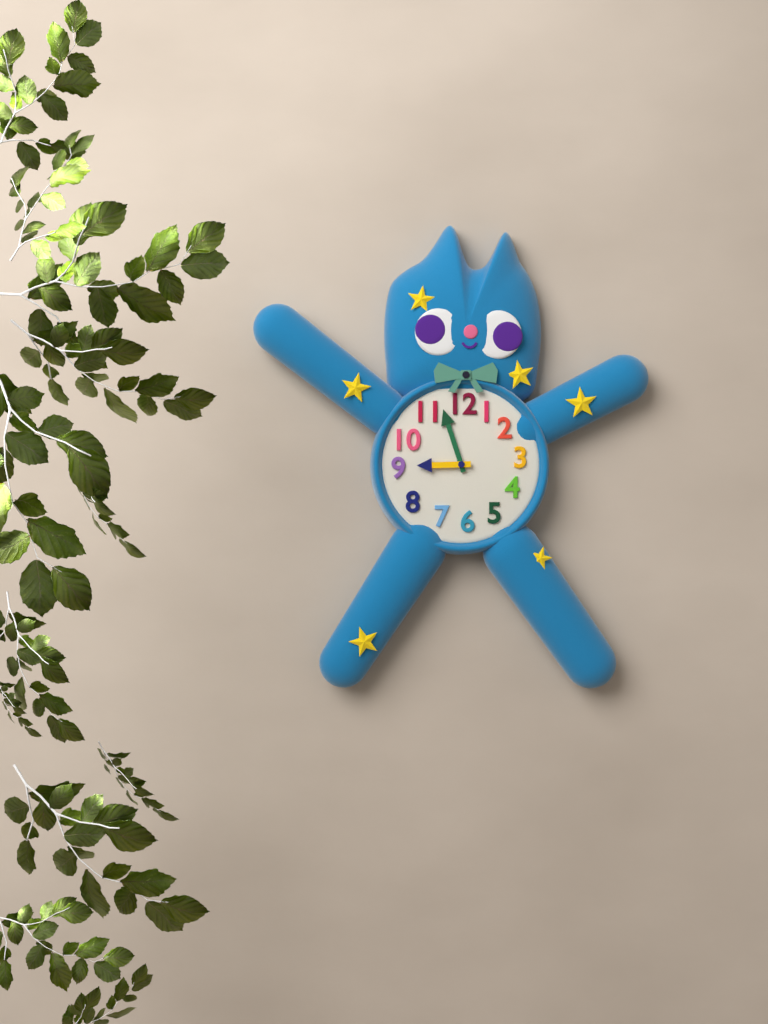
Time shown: {"hour": 8, "minute": 57}
